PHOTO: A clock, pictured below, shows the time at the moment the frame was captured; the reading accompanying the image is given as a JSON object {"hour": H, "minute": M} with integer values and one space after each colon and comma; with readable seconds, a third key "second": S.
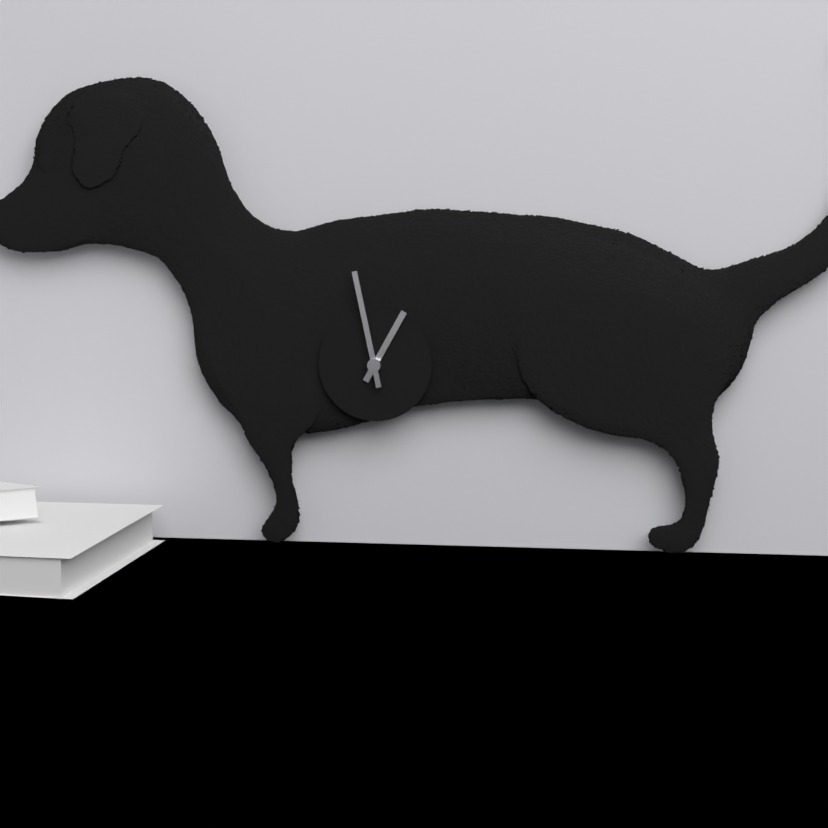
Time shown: {"hour": 12, "minute": 58}
